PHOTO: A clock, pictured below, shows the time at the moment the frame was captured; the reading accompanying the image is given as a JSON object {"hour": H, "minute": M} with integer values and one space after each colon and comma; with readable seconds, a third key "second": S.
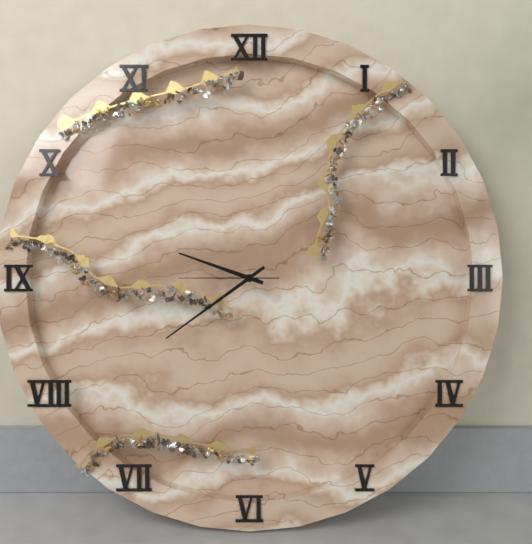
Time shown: {"hour": 9, "minute": 39, "second": 45}
